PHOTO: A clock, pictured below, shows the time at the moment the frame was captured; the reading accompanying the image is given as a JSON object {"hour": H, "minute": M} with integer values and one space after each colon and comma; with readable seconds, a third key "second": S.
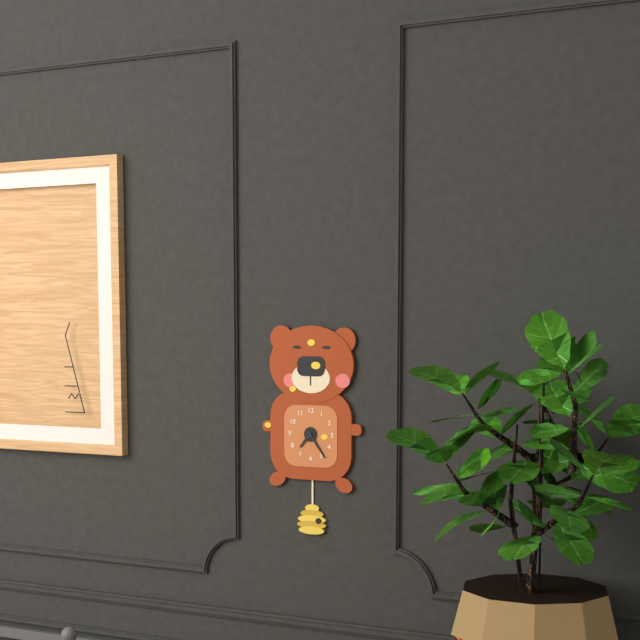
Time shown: {"hour": 7, "minute": 24}
